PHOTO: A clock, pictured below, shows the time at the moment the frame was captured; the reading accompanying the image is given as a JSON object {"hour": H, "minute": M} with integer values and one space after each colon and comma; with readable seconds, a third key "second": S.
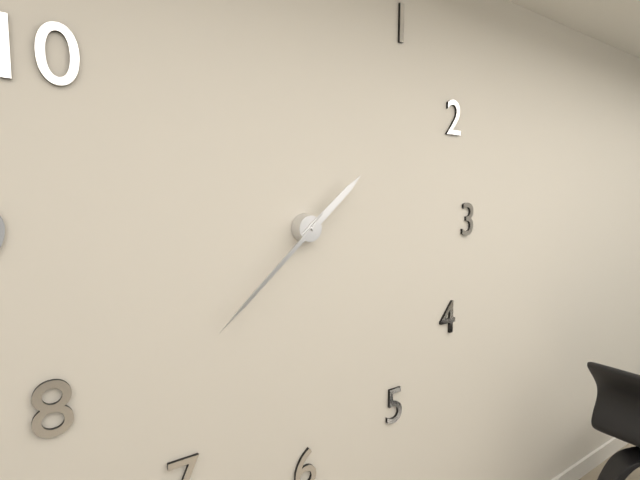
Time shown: {"hour": 1, "minute": 38}
